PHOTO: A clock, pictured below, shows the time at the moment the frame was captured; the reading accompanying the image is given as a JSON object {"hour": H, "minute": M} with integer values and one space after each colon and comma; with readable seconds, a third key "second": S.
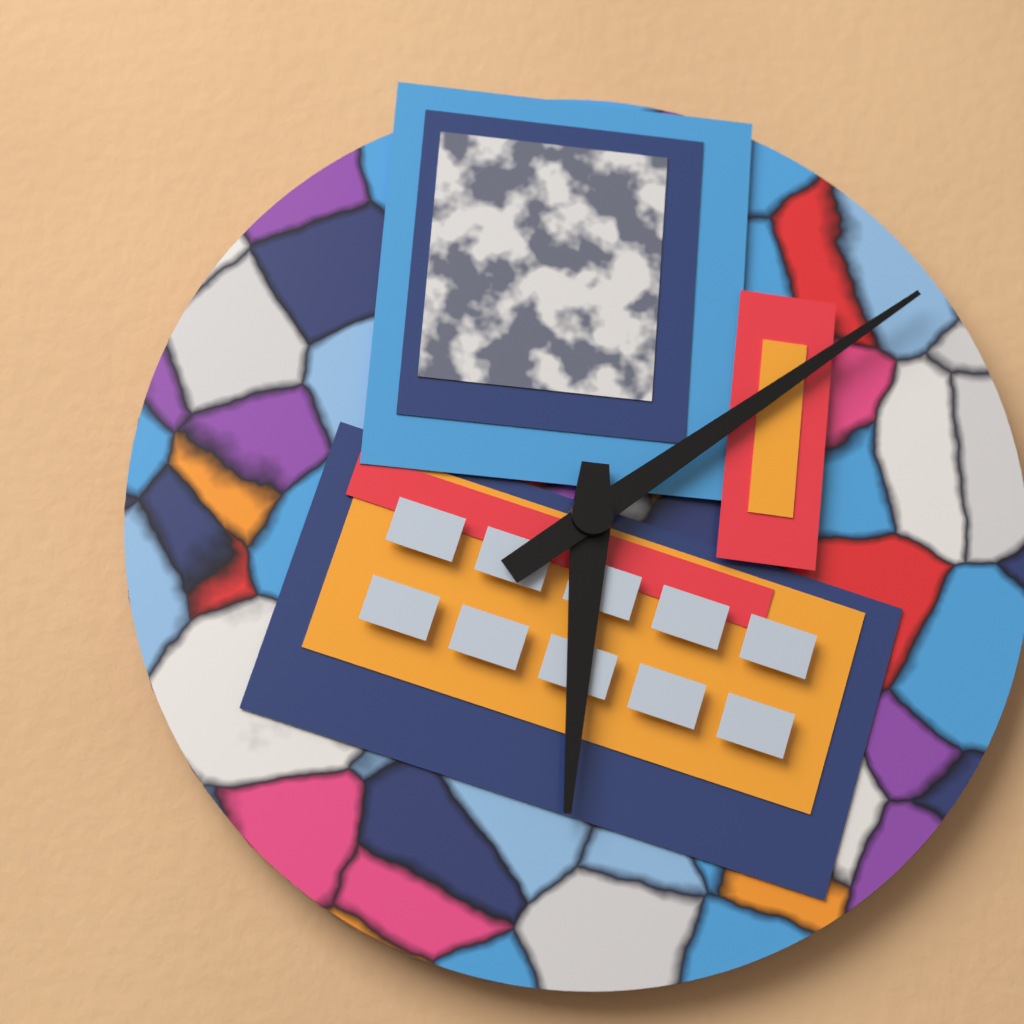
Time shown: {"hour": 6, "minute": 9}
